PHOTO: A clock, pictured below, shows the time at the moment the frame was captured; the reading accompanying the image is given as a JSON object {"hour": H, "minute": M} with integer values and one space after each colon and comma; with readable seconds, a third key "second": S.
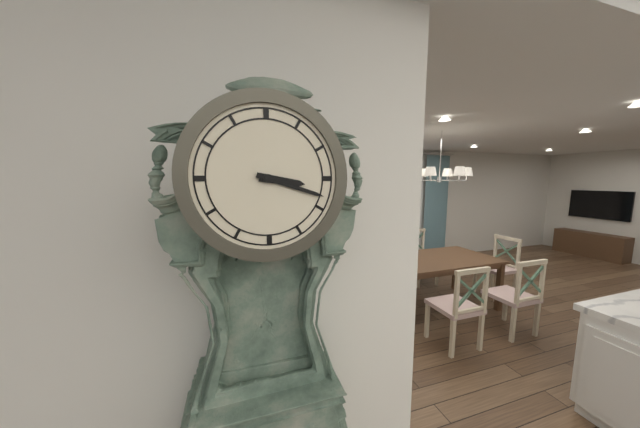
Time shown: {"hour": 3, "minute": 18}
